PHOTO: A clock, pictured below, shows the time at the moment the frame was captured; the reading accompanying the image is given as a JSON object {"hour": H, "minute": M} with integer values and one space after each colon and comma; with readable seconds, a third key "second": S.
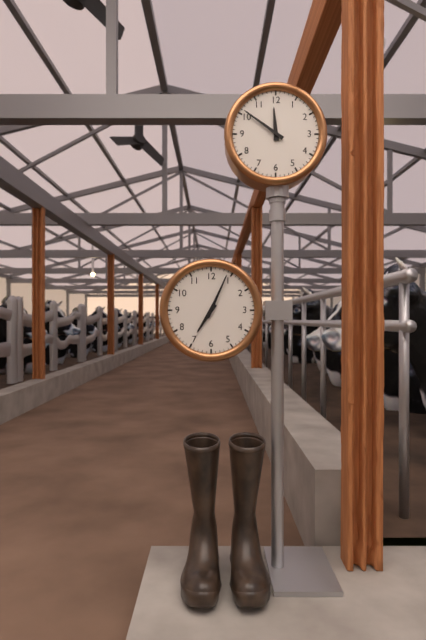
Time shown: {"hour": 11, "minute": 51}
